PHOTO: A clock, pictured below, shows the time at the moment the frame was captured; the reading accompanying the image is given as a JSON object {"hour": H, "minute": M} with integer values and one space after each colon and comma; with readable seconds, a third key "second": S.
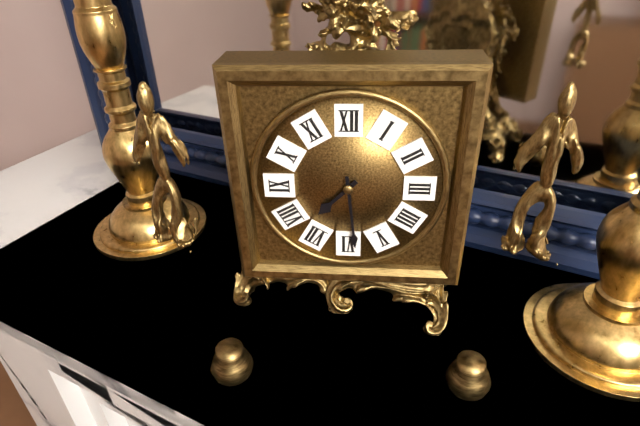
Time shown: {"hour": 7, "minute": 29}
